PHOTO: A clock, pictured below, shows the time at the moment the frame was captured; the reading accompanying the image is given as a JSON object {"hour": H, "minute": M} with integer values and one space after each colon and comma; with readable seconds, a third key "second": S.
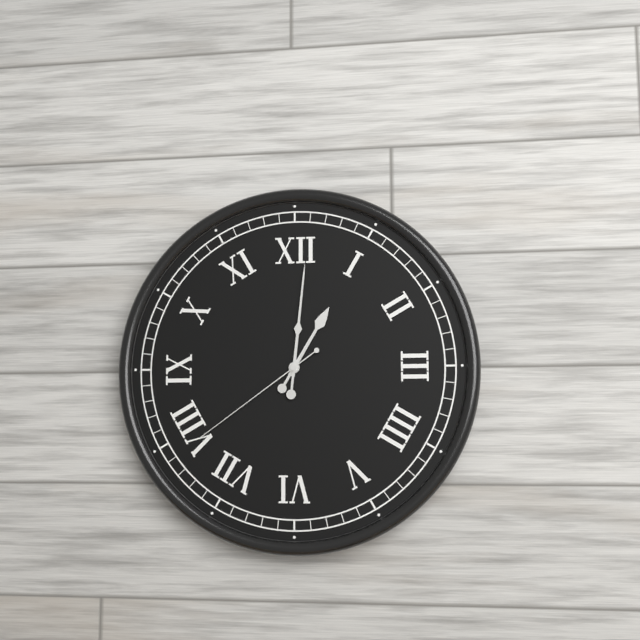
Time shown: {"hour": 1, "minute": 1, "second": 39}
